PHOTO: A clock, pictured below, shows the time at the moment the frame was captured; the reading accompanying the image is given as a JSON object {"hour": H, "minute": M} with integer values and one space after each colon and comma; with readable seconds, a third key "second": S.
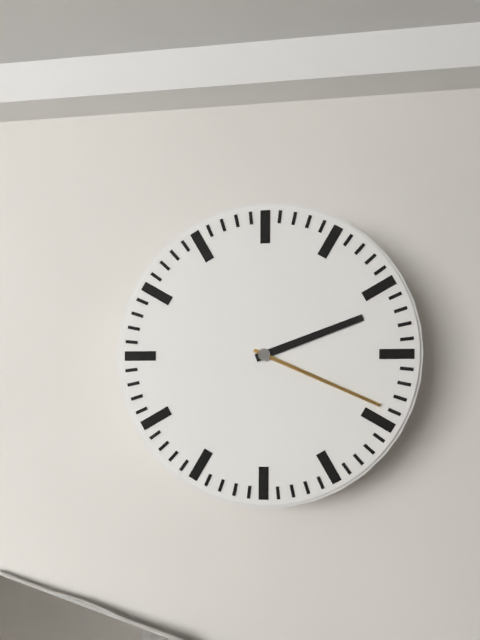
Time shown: {"hour": 2, "minute": 19}
